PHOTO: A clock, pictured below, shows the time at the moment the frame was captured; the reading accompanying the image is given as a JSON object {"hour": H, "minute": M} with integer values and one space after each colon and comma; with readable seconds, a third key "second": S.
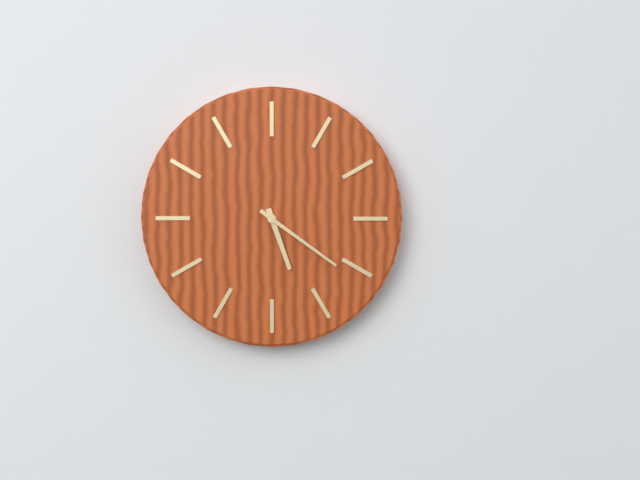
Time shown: {"hour": 5, "minute": 21}
